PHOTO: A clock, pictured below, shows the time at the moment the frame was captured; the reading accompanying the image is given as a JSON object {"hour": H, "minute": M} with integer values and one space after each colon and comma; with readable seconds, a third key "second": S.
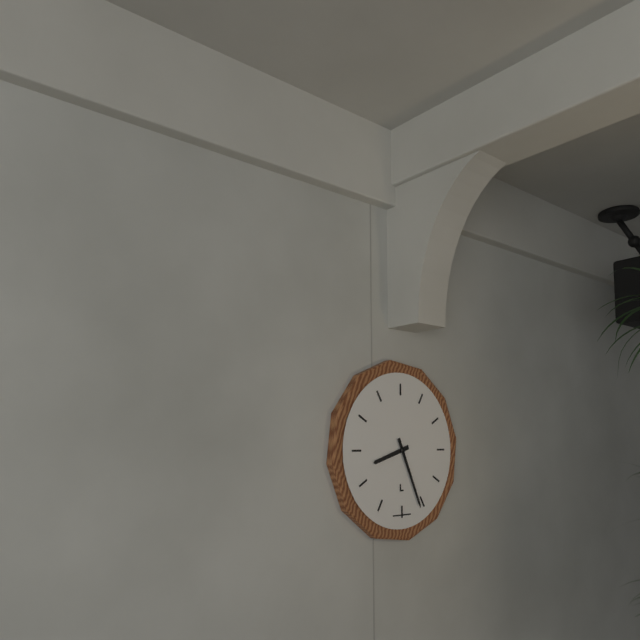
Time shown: {"hour": 8, "minute": 26}
